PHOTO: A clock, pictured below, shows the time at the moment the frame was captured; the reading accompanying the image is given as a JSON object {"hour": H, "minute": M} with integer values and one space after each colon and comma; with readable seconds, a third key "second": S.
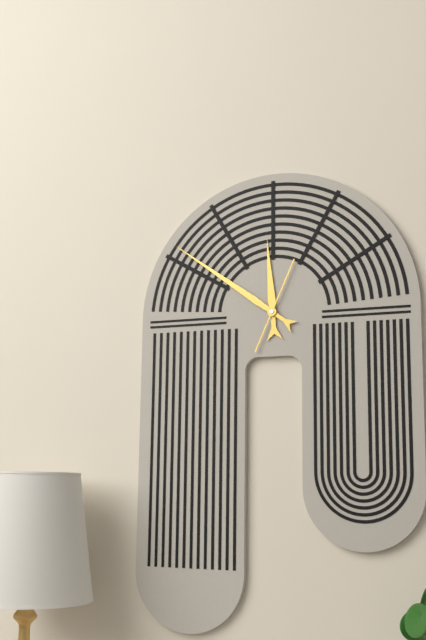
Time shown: {"hour": 11, "minute": 51, "second": 4}
